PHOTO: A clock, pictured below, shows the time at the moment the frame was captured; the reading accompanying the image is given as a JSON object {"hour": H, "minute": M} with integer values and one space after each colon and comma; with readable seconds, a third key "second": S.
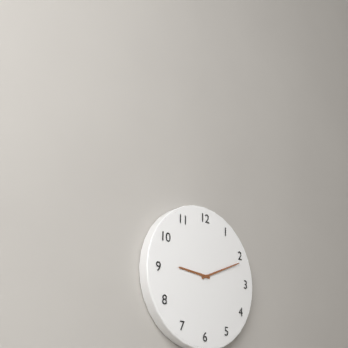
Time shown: {"hour": 9, "minute": 11}
